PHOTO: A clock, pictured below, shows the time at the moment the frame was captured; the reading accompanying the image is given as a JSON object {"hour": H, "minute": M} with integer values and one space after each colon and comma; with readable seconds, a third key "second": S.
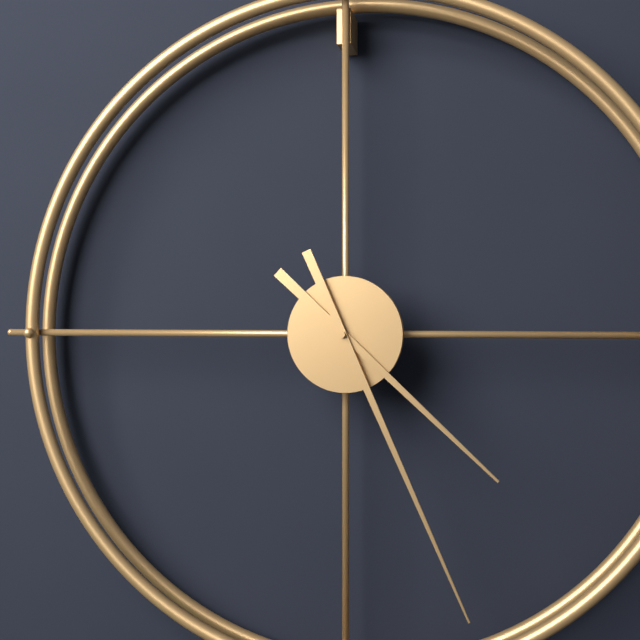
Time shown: {"hour": 4, "minute": 26}
